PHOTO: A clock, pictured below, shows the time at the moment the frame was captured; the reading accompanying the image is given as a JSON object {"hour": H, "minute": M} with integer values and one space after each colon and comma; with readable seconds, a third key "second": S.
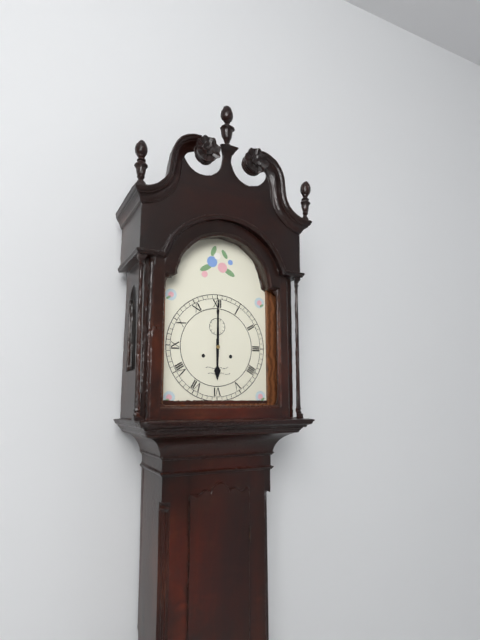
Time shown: {"hour": 6, "minute": 0}
